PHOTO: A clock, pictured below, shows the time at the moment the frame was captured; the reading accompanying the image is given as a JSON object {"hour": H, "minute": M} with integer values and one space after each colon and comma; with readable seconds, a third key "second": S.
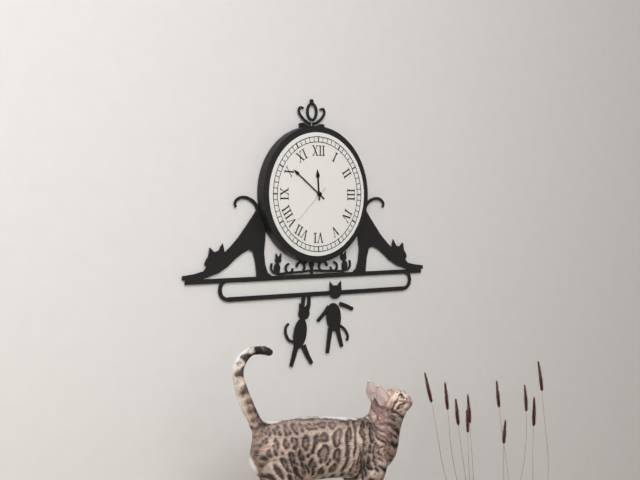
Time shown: {"hour": 11, "minute": 51}
